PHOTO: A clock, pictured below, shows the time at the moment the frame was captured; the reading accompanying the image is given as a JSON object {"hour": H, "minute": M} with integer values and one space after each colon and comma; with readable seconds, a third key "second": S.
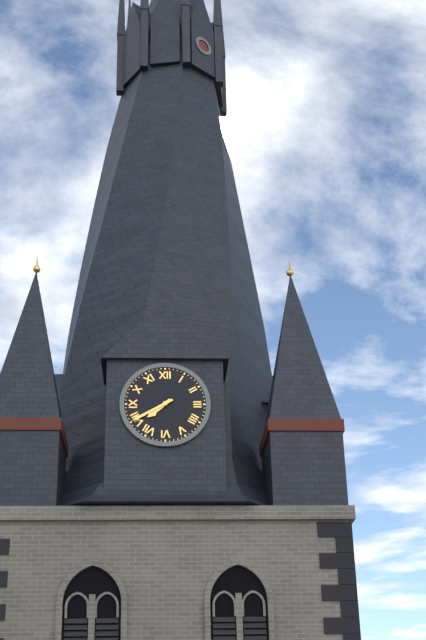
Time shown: {"hour": 7, "minute": 40}
